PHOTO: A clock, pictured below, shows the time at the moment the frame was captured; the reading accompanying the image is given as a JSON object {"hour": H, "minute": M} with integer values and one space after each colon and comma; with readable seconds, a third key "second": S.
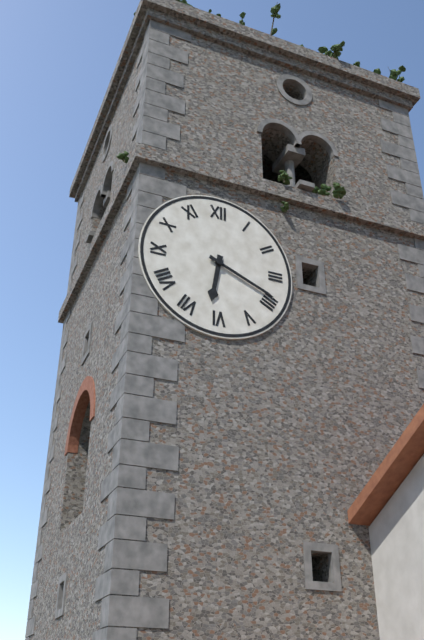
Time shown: {"hour": 6, "minute": 19}
